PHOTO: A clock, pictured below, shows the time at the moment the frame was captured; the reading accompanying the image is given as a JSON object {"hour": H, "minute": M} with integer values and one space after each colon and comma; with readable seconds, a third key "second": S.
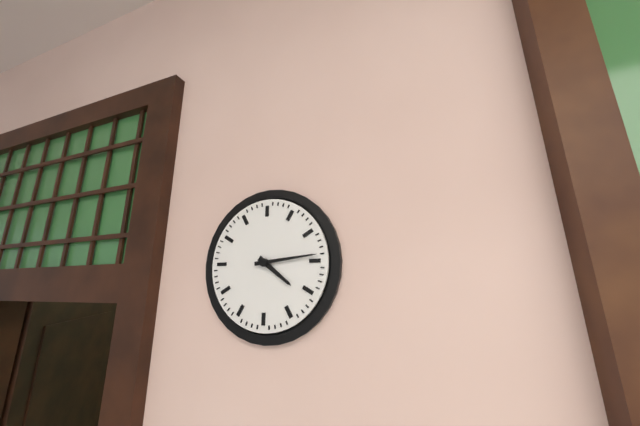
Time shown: {"hour": 4, "minute": 14}
